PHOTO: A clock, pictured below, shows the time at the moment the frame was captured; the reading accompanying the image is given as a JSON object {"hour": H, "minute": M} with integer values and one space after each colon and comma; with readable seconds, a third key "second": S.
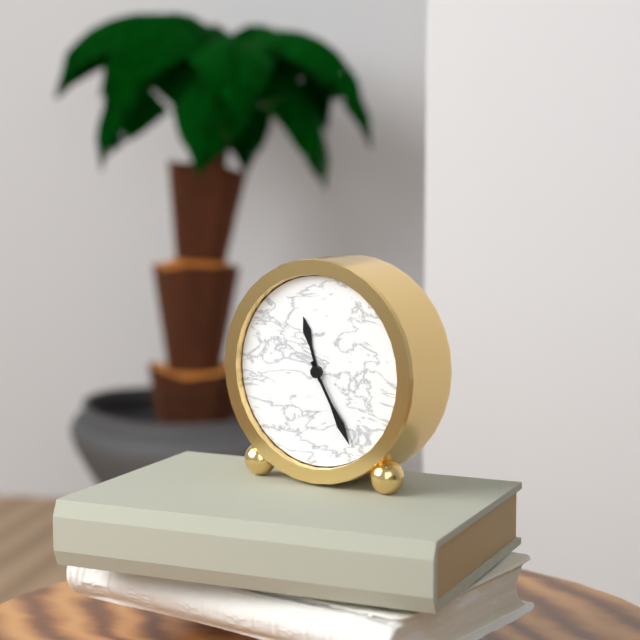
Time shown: {"hour": 11, "minute": 25}
